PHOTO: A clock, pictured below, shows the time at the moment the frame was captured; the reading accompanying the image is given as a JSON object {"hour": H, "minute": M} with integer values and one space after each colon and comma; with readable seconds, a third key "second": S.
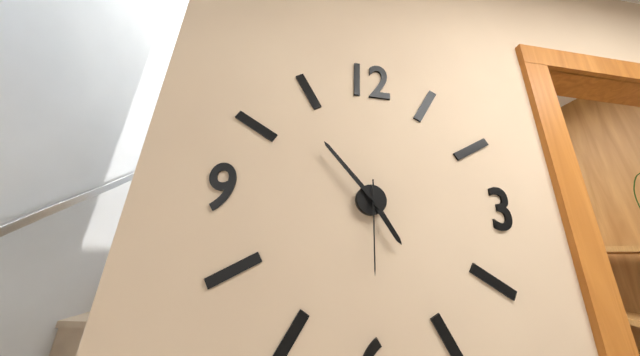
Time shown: {"hour": 4, "minute": 53, "second": 30}
